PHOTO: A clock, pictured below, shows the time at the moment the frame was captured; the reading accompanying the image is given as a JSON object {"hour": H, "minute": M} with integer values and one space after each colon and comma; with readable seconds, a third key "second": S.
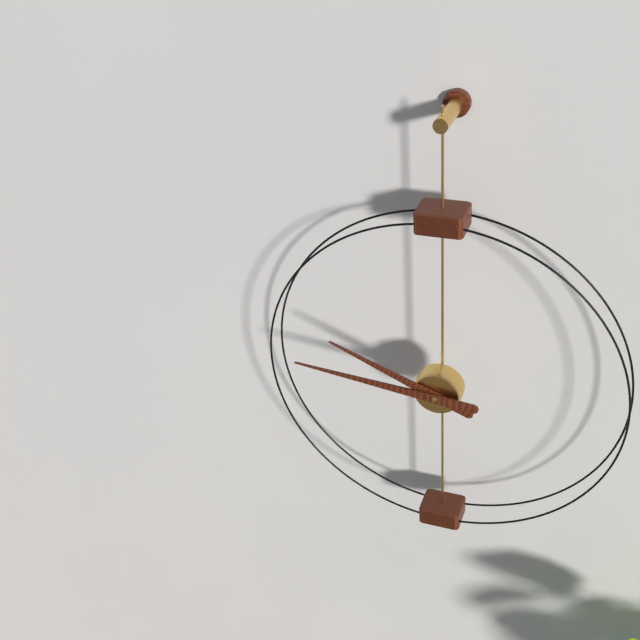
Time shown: {"hour": 9, "minute": 46}
